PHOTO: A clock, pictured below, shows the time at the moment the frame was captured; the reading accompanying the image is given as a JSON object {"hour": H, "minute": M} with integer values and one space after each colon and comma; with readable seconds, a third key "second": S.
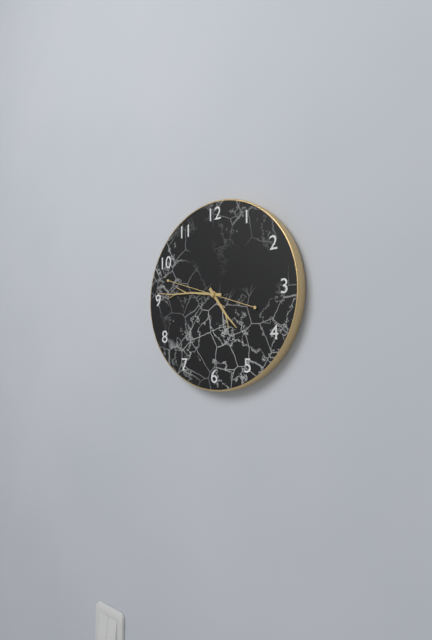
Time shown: {"hour": 4, "minute": 46, "second": 48}
